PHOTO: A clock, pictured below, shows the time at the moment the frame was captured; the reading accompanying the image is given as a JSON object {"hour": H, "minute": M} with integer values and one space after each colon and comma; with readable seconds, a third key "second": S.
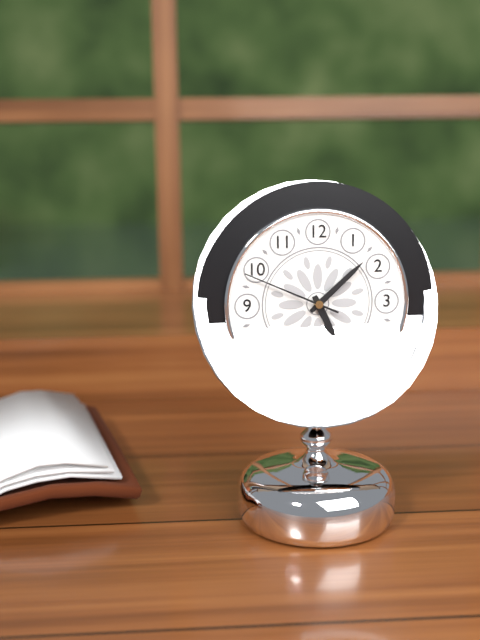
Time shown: {"hour": 5, "minute": 8, "second": 49}
